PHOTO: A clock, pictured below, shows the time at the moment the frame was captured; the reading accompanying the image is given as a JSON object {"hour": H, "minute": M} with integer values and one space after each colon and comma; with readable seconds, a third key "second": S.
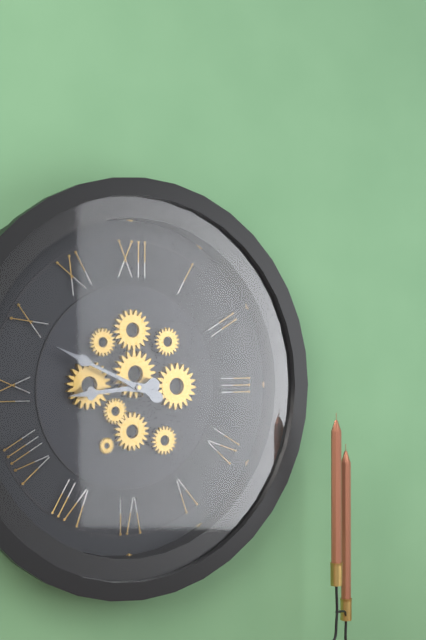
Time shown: {"hour": 8, "minute": 49}
